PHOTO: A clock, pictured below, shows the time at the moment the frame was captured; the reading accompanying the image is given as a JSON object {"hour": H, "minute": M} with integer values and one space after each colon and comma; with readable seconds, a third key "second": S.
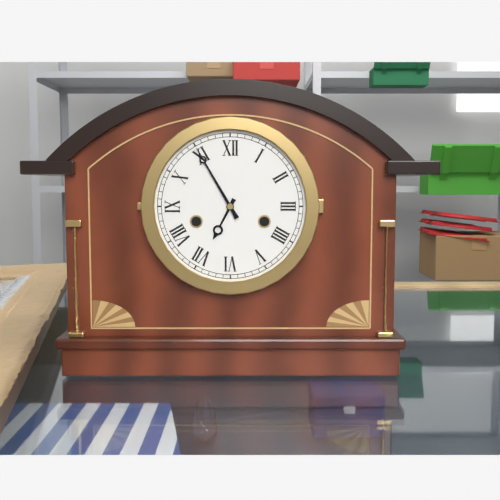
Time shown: {"hour": 6, "minute": 55}
